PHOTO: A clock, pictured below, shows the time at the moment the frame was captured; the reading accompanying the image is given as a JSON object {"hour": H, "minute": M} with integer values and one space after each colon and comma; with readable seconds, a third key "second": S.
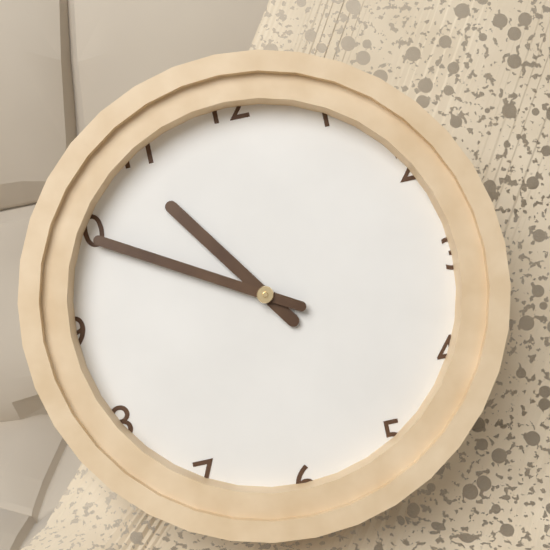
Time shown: {"hour": 10, "minute": 50}
